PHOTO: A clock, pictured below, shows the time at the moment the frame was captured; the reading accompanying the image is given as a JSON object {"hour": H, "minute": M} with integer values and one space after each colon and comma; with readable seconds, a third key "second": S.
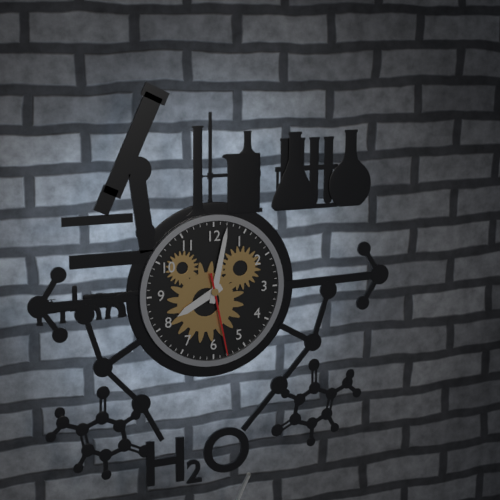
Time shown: {"hour": 8, "minute": 2, "second": 28}
